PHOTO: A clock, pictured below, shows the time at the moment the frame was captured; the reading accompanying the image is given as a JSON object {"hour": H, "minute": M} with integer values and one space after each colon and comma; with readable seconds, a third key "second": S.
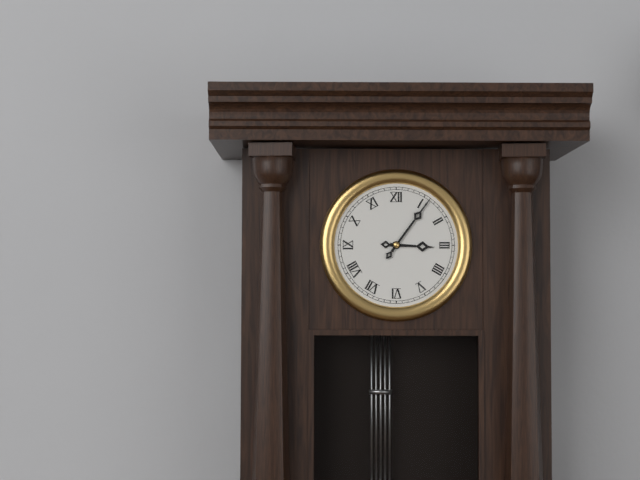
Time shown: {"hour": 3, "minute": 6}
